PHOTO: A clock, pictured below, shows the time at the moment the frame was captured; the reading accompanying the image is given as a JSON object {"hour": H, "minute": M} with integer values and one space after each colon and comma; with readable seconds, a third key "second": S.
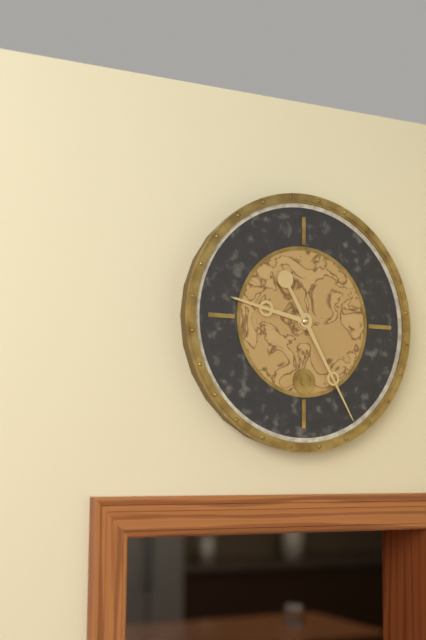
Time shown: {"hour": 9, "minute": 25}
